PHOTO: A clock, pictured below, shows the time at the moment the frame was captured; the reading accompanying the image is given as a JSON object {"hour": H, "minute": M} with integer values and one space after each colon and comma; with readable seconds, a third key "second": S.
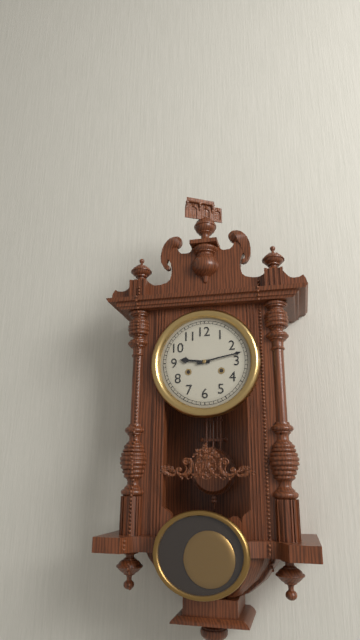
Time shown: {"hour": 9, "minute": 13}
